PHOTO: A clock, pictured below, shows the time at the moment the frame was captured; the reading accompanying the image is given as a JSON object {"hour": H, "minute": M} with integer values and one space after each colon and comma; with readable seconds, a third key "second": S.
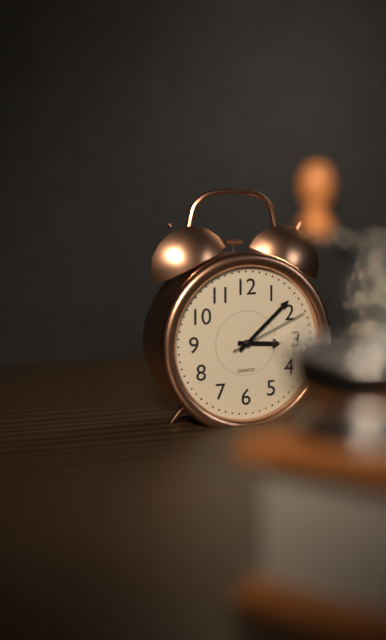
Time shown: {"hour": 3, "minute": 8, "second": 11}
